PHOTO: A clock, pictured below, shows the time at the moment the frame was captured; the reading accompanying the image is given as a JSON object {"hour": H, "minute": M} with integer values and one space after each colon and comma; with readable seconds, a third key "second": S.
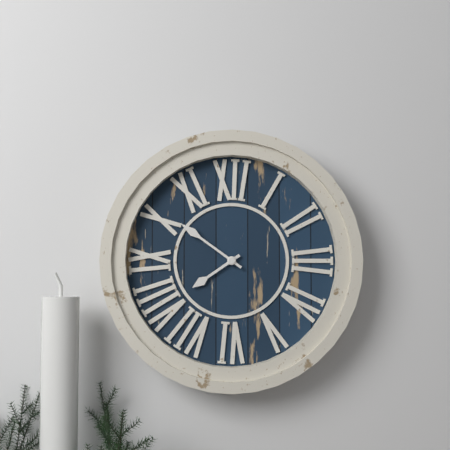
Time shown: {"hour": 7, "minute": 51}
